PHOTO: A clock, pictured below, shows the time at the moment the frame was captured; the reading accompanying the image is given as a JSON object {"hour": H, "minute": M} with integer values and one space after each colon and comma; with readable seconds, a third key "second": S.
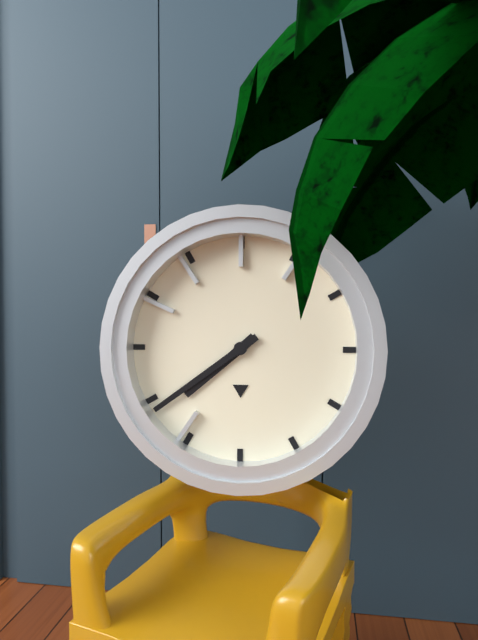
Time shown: {"hour": 7, "minute": 39}
